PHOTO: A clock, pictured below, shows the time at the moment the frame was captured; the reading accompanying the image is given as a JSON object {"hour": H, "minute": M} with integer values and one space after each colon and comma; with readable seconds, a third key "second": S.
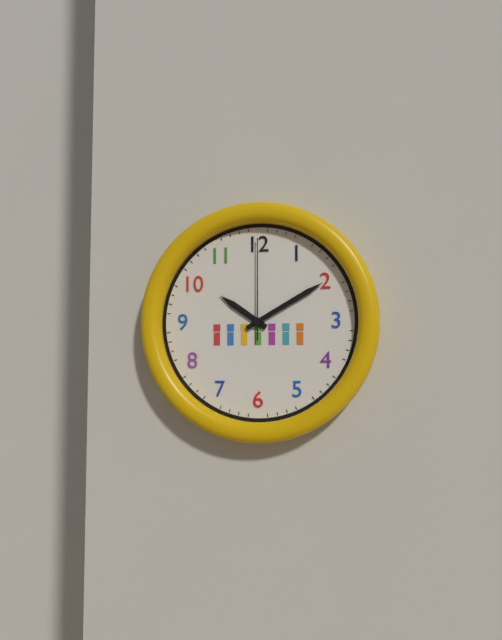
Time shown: {"hour": 10, "minute": 10, "second": 0}
